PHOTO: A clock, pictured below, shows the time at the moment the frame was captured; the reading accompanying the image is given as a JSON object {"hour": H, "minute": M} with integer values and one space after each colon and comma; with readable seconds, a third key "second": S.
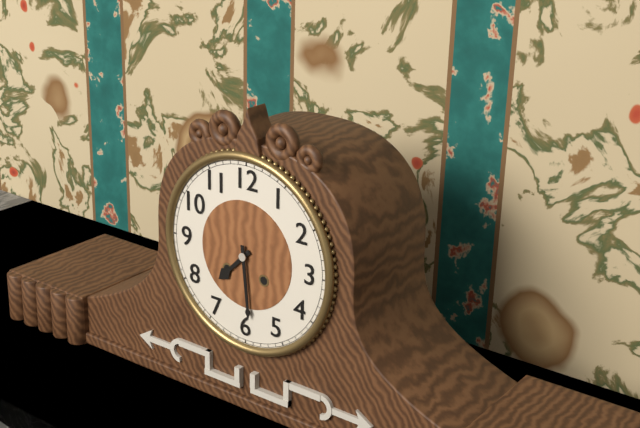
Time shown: {"hour": 7, "minute": 29}
